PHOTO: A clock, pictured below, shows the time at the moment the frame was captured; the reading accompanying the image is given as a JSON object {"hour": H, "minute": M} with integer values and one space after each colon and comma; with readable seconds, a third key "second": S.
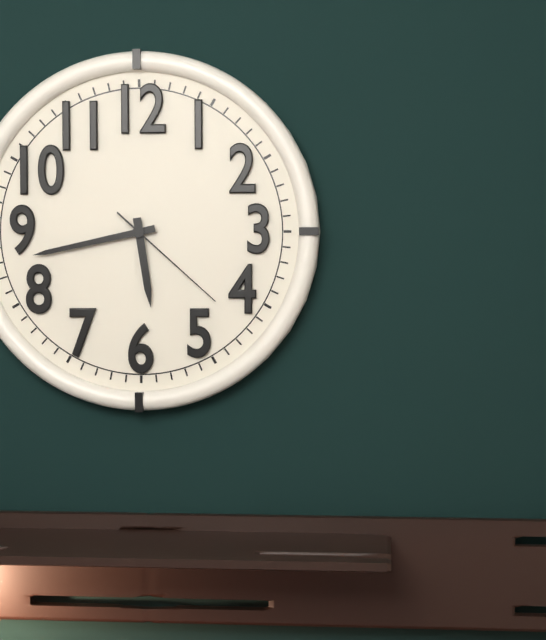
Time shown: {"hour": 5, "minute": 43, "second": 22}
